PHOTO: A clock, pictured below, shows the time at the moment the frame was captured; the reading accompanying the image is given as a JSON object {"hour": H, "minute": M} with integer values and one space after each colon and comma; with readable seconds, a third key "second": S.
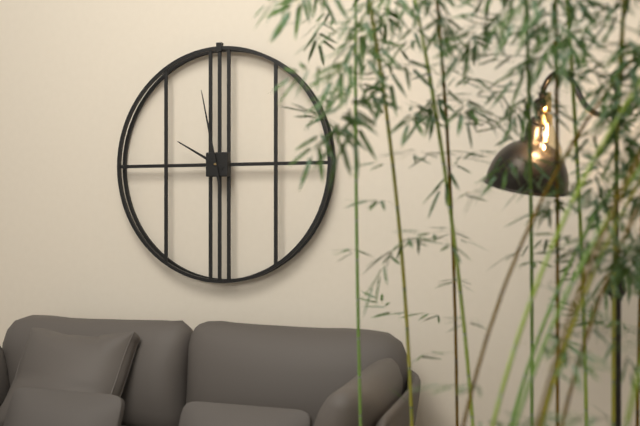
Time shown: {"hour": 9, "minute": 58}
